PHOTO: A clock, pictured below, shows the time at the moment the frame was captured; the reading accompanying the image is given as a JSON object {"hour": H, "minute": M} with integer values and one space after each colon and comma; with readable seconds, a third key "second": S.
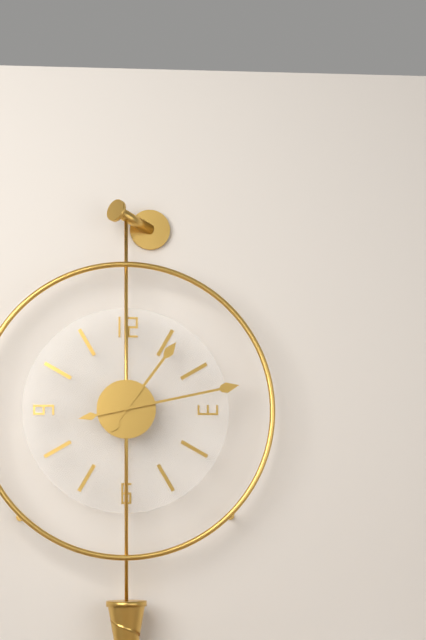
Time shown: {"hour": 1, "minute": 13}
